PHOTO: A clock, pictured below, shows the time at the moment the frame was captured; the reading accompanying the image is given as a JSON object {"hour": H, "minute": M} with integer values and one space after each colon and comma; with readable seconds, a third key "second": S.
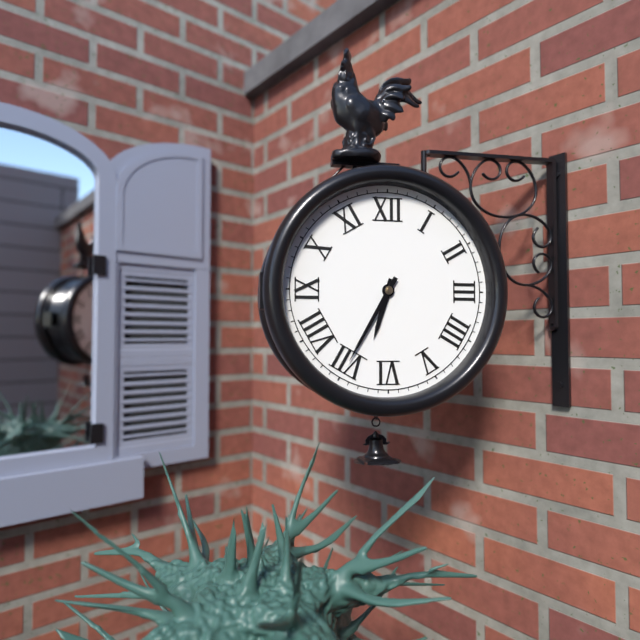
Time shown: {"hour": 6, "minute": 35}
